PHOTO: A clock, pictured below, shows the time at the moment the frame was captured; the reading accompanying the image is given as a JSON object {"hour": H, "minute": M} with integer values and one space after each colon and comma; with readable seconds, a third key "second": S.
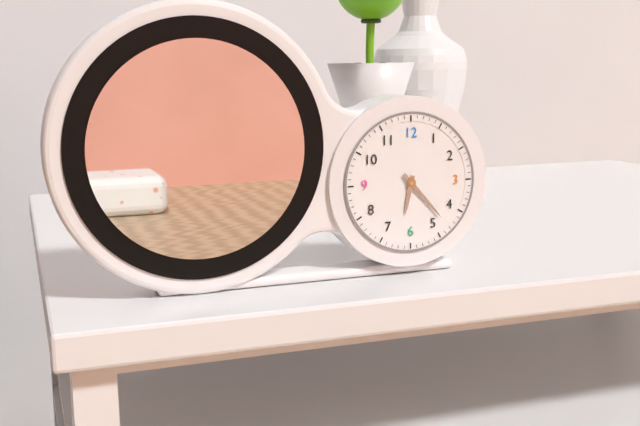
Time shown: {"hour": 6, "minute": 23}
